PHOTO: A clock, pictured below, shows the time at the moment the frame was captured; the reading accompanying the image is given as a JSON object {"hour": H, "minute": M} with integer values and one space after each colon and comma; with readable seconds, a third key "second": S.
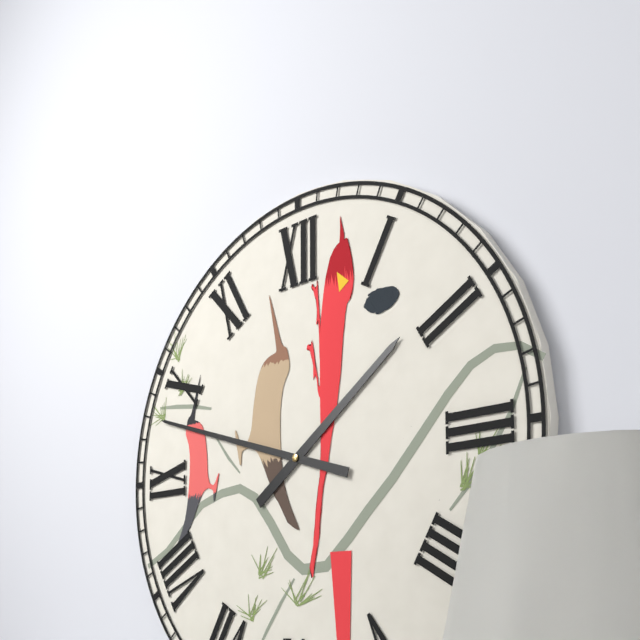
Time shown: {"hour": 1, "minute": 48}
